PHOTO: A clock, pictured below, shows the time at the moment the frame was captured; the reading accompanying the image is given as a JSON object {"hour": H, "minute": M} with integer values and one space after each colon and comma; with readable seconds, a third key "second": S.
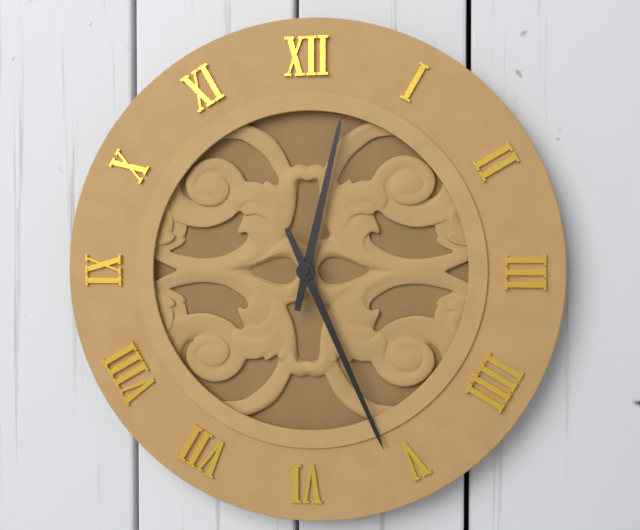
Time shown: {"hour": 12, "minute": 26}
